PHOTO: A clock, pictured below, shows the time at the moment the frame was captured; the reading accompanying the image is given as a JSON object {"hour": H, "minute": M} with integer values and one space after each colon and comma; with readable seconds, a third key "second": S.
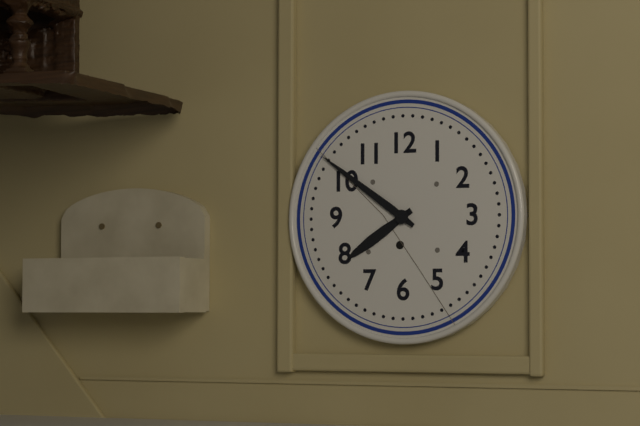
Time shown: {"hour": 7, "minute": 51}
